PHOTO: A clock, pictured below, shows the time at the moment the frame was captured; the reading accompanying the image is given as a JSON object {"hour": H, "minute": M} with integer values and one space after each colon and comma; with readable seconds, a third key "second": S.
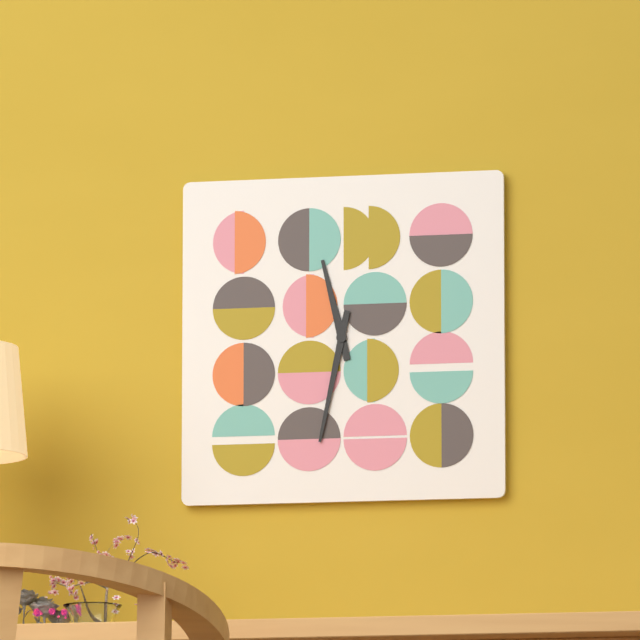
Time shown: {"hour": 11, "minute": 32}
